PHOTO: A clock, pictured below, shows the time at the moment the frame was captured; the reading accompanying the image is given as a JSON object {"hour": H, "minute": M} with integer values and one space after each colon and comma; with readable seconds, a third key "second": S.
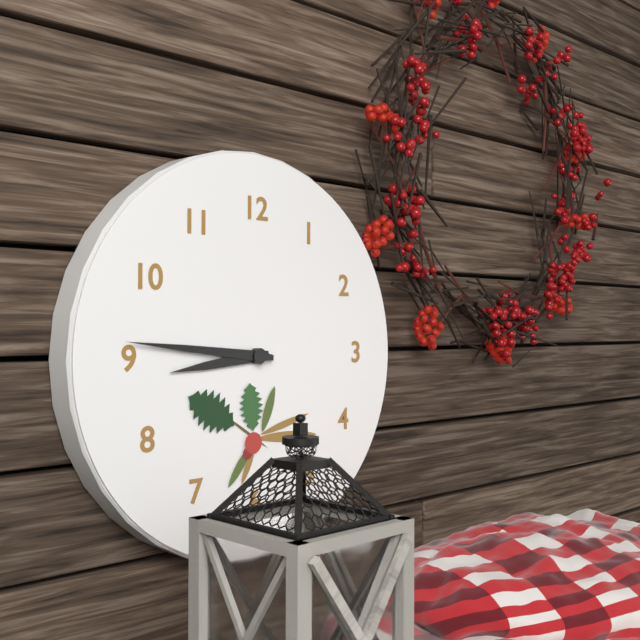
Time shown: {"hour": 8, "minute": 46}
